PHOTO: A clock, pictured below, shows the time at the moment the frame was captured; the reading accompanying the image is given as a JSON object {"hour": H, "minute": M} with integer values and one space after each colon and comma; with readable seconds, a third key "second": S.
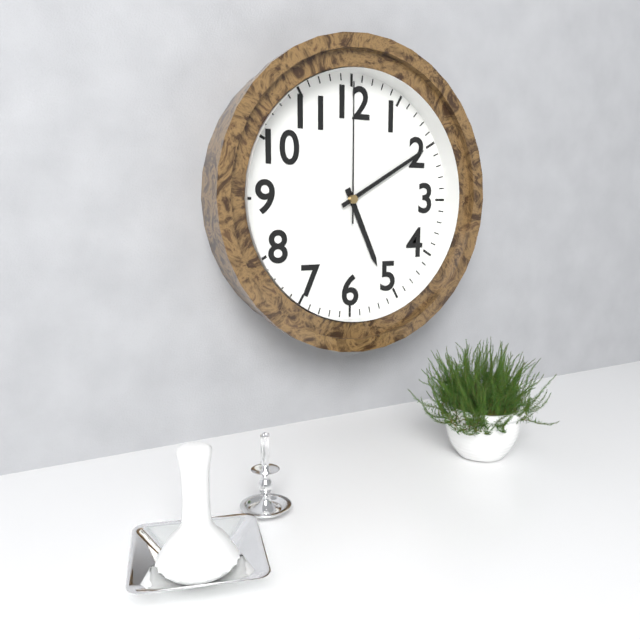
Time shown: {"hour": 5, "minute": 10, "second": 0}
